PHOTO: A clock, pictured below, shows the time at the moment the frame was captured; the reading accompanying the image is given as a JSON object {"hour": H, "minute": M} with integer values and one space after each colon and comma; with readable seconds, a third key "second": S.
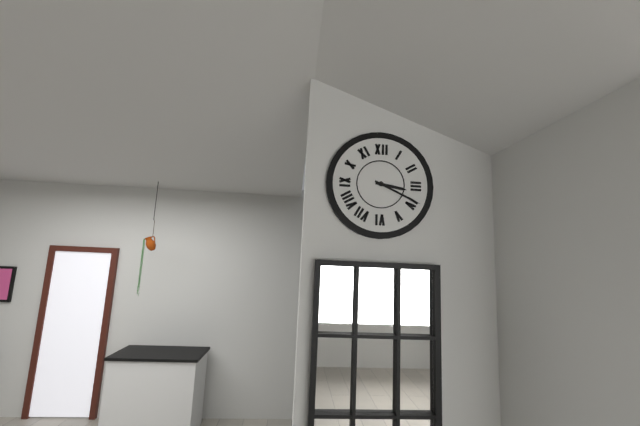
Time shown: {"hour": 3, "minute": 19}
